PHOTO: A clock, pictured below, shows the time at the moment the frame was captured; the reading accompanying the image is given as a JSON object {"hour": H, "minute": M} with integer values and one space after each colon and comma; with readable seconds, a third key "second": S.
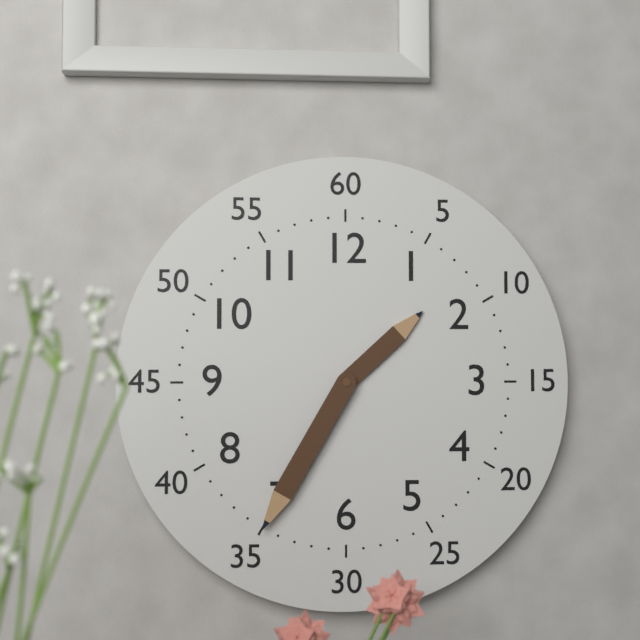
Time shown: {"hour": 1, "minute": 35}
